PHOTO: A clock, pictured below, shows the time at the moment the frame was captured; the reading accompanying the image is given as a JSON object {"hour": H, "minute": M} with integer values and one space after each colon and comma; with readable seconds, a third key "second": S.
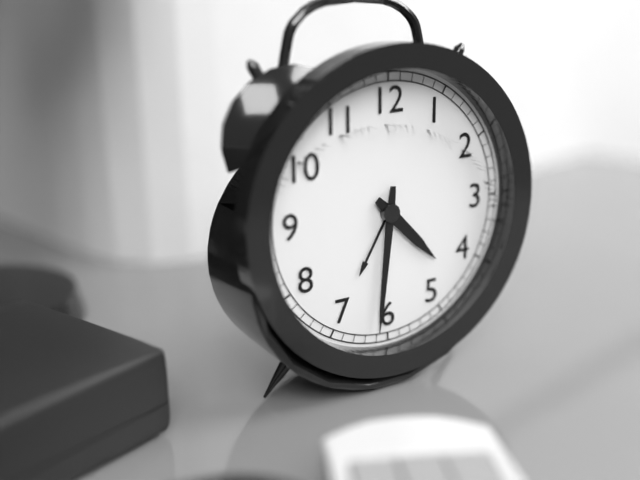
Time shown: {"hour": 4, "minute": 31}
